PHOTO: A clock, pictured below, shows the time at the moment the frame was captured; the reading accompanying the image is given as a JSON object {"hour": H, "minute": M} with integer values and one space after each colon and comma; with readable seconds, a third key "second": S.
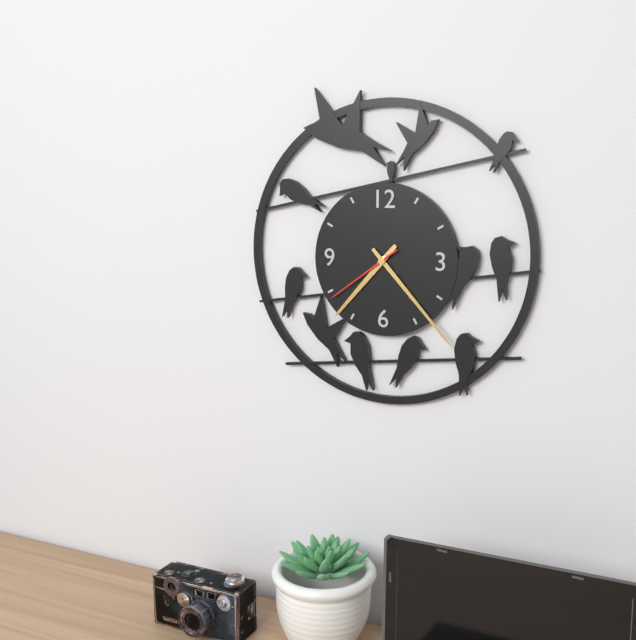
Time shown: {"hour": 7, "minute": 23, "second": 39}
